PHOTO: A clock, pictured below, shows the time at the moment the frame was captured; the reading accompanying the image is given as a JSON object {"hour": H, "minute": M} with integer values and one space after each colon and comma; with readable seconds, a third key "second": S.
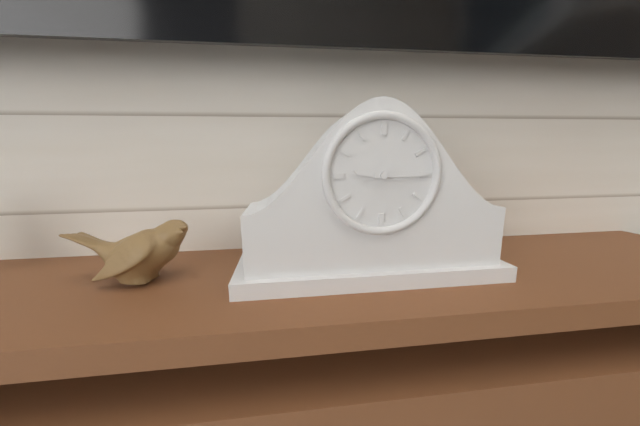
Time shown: {"hour": 9, "minute": 15}
